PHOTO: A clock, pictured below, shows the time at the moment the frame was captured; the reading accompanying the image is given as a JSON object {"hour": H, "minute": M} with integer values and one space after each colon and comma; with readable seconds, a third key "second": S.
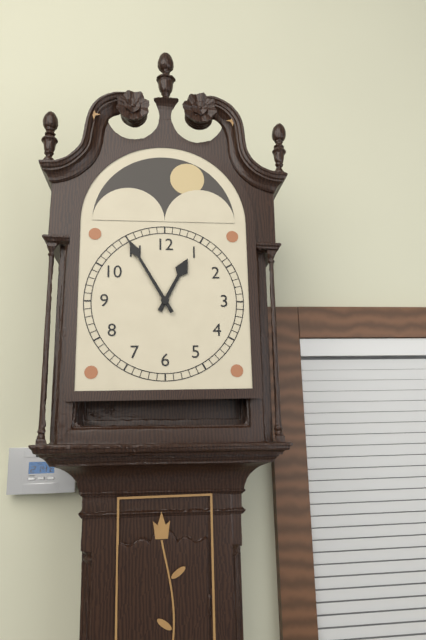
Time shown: {"hour": 12, "minute": 55}
